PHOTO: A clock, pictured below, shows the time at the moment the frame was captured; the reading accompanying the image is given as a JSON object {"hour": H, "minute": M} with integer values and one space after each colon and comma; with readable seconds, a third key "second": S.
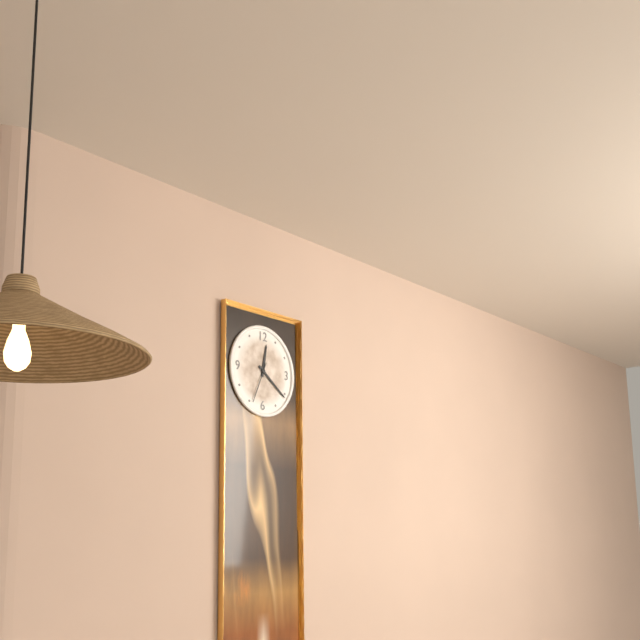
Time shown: {"hour": 12, "minute": 21}
